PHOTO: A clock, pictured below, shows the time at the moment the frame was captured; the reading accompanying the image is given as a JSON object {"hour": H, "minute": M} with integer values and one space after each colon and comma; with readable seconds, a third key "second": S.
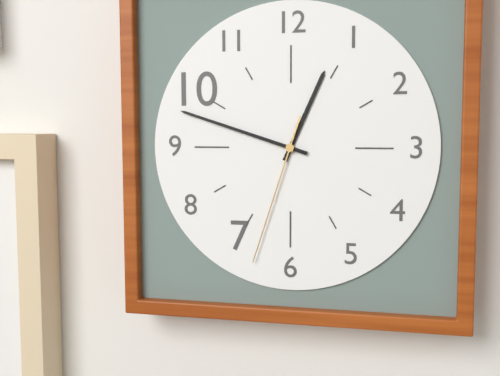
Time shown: {"hour": 12, "minute": 48, "second": 33}
